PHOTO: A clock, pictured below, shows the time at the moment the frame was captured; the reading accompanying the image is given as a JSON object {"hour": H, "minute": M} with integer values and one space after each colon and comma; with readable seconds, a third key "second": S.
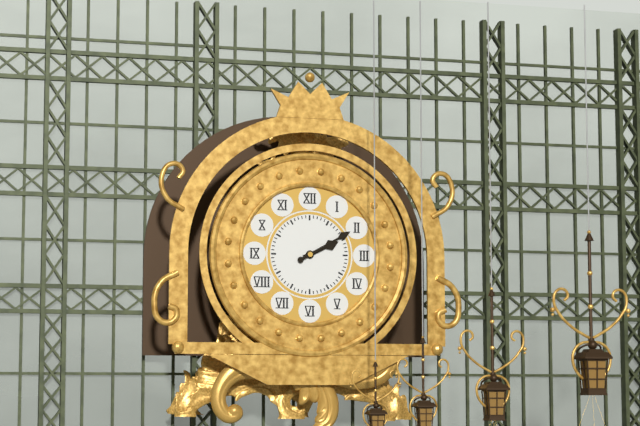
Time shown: {"hour": 2, "minute": 10}
